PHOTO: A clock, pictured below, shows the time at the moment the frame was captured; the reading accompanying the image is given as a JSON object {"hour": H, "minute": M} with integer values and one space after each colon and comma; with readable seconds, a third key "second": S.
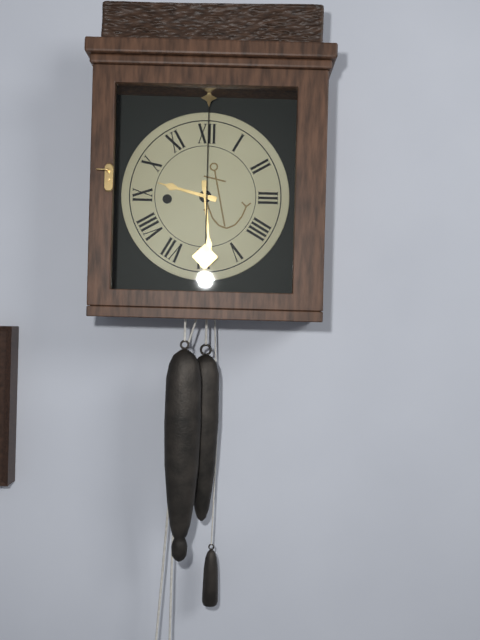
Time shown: {"hour": 9, "minute": 29}
